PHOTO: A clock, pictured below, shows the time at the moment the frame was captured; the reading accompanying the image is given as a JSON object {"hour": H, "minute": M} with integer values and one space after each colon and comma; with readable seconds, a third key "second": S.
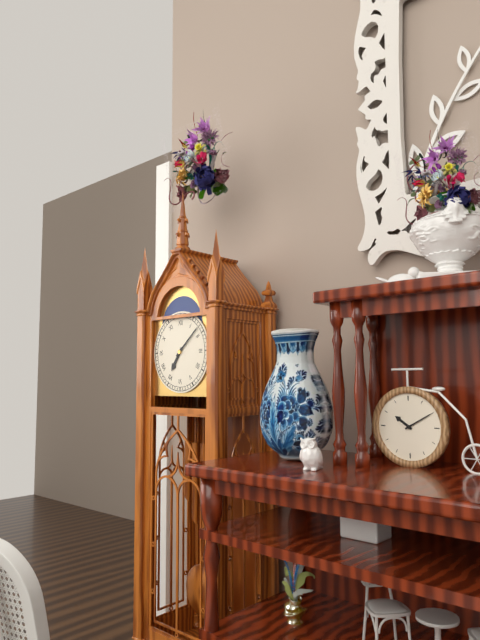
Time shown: {"hour": 7, "minute": 8}
